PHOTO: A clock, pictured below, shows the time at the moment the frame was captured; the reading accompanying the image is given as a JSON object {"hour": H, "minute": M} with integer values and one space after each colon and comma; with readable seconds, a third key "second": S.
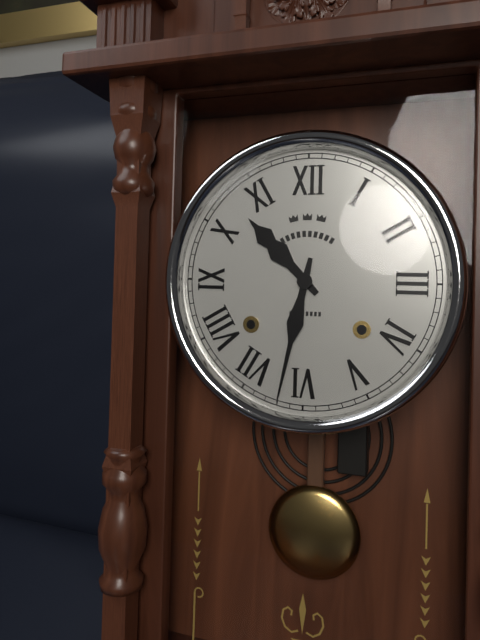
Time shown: {"hour": 10, "minute": 32}
